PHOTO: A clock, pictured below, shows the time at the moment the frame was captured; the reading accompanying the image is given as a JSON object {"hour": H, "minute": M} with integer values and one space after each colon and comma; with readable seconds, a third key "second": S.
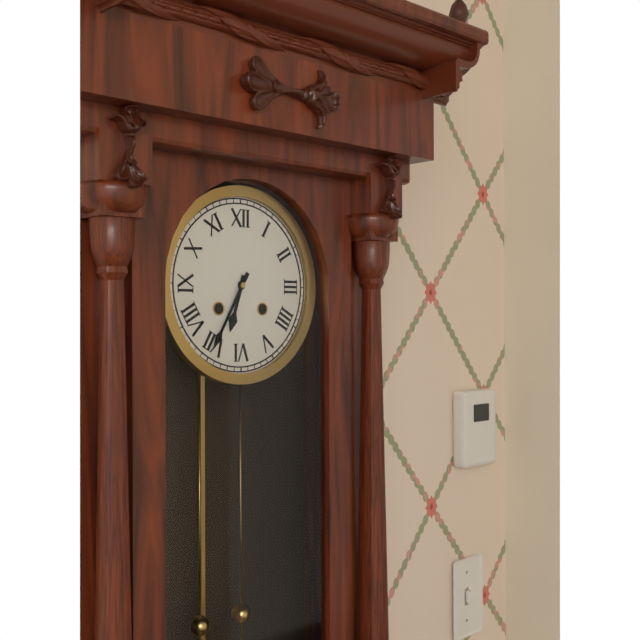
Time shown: {"hour": 6, "minute": 35}
